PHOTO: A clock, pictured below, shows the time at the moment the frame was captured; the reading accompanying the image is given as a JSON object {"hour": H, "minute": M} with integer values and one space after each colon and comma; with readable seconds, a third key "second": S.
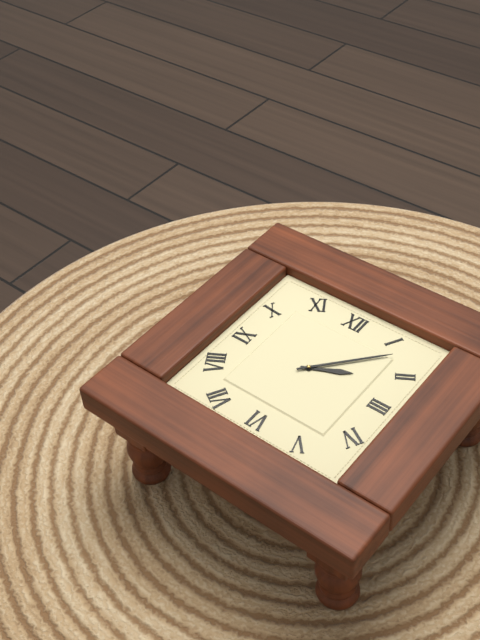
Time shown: {"hour": 2, "minute": 7}
